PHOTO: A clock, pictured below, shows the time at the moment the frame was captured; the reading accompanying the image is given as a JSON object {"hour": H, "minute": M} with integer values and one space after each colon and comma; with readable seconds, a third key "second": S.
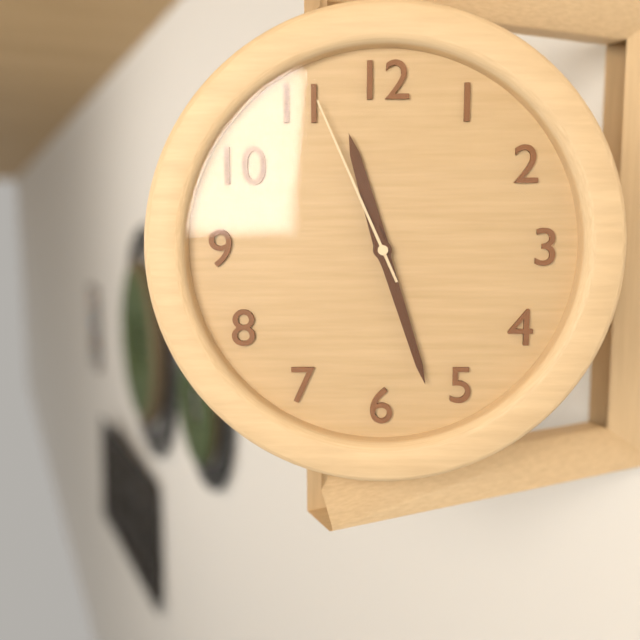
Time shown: {"hour": 11, "minute": 27, "second": 56}
